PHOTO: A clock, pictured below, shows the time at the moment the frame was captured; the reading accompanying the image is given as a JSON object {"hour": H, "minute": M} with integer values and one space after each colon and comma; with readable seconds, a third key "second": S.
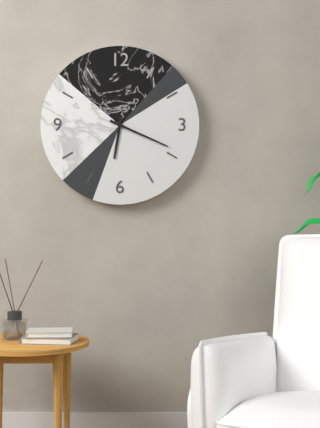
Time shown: {"hour": 6, "minute": 19}
